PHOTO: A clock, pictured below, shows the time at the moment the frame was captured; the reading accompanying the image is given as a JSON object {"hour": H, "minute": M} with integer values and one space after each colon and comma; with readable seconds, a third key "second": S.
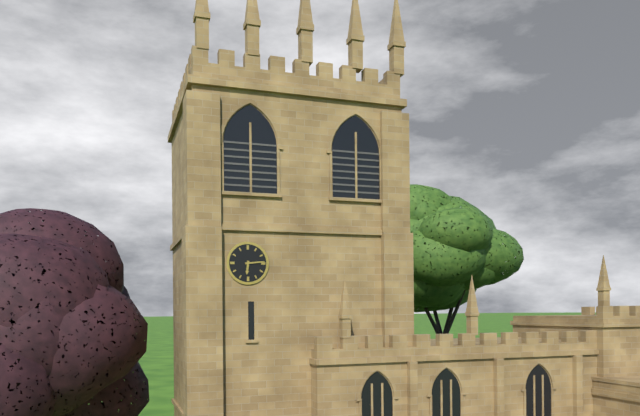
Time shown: {"hour": 6, "minute": 14}
